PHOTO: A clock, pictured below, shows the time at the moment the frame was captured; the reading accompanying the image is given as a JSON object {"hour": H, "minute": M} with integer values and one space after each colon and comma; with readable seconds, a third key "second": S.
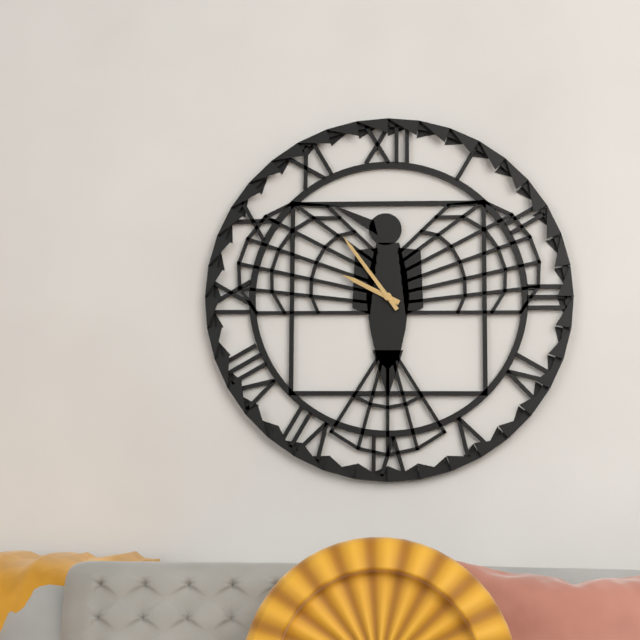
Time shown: {"hour": 9, "minute": 54}
